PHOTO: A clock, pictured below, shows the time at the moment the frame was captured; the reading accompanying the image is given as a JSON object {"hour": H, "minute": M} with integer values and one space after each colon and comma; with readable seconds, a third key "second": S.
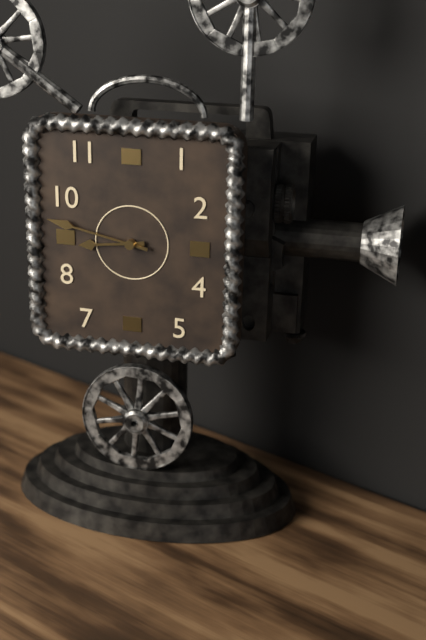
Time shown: {"hour": 8, "minute": 47}
